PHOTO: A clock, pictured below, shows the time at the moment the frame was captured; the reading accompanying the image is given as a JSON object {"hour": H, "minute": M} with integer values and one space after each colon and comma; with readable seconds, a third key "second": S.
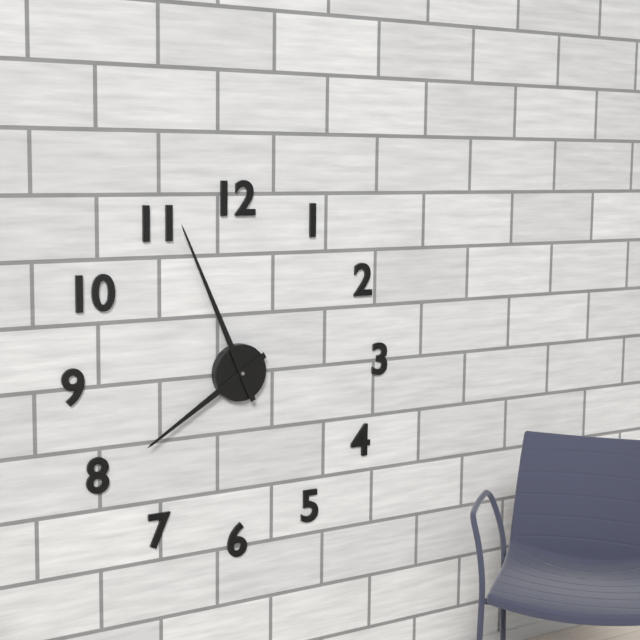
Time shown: {"hour": 7, "minute": 56}
